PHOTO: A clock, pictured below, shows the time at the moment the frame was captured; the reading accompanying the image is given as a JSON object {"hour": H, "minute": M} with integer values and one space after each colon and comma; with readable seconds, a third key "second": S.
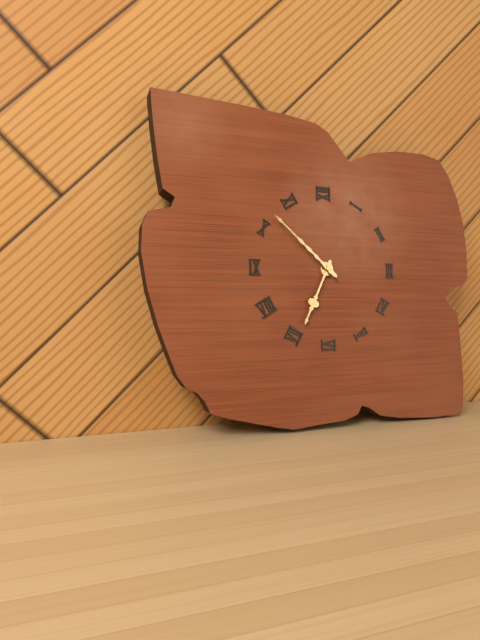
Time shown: {"hour": 6, "minute": 52}
